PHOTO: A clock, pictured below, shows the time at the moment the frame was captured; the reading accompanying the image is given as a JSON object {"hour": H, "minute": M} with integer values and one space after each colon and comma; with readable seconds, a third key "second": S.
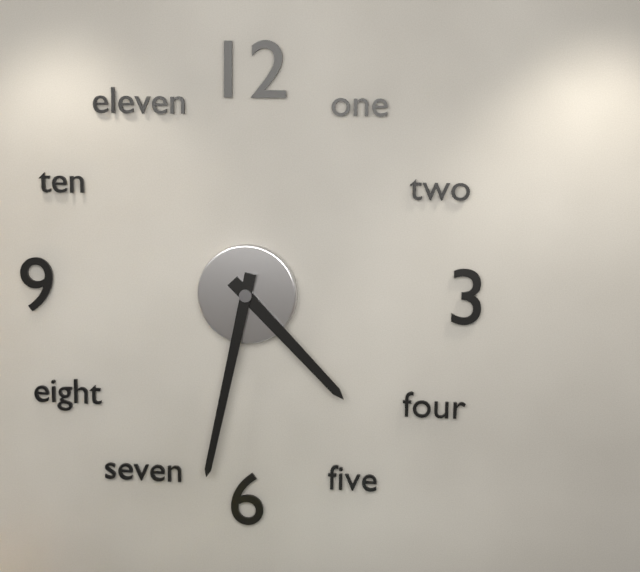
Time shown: {"hour": 4, "minute": 32}
